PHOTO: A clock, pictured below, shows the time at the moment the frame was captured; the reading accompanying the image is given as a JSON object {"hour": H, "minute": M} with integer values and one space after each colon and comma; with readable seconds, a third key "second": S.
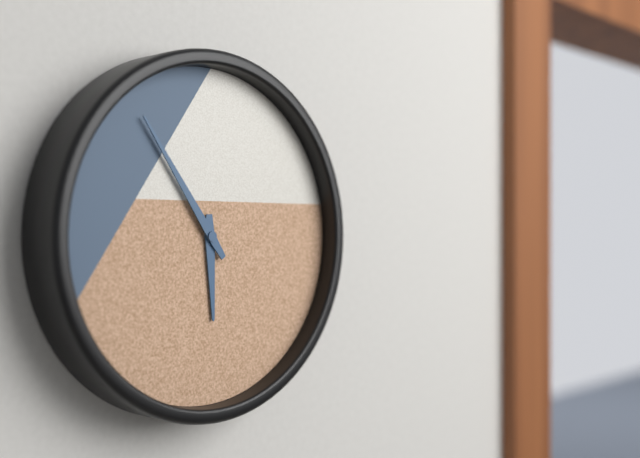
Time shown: {"hour": 5, "minute": 54}
